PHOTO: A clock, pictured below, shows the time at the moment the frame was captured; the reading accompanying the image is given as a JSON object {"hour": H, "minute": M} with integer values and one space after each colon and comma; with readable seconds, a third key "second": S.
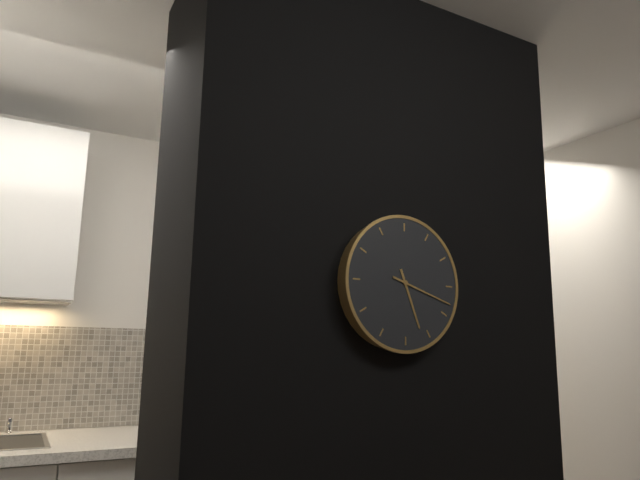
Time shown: {"hour": 5, "minute": 18}
